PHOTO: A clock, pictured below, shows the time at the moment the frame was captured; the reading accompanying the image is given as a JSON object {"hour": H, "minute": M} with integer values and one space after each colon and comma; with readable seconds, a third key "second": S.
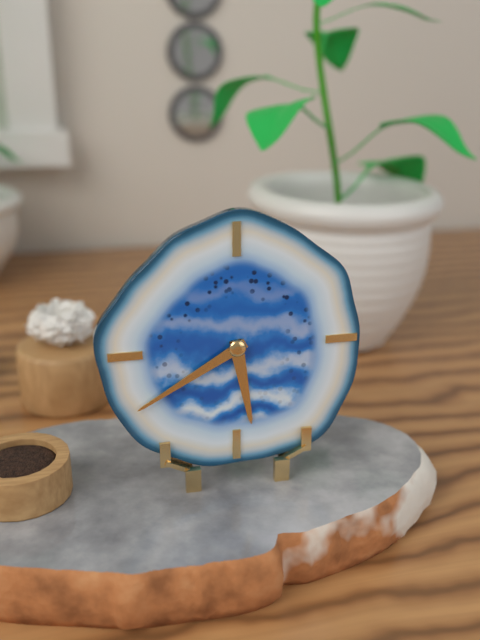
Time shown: {"hour": 5, "minute": 40}
